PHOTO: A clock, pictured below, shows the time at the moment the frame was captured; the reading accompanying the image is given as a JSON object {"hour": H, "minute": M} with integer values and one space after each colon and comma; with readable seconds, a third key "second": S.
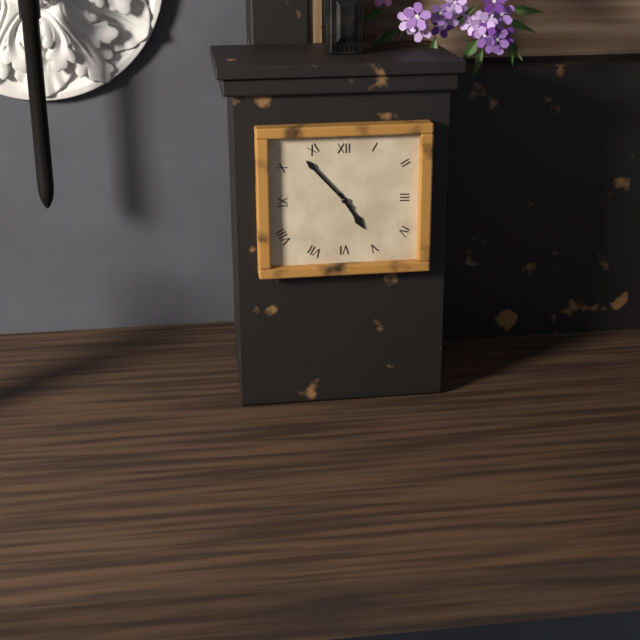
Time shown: {"hour": 4, "minute": 53}
